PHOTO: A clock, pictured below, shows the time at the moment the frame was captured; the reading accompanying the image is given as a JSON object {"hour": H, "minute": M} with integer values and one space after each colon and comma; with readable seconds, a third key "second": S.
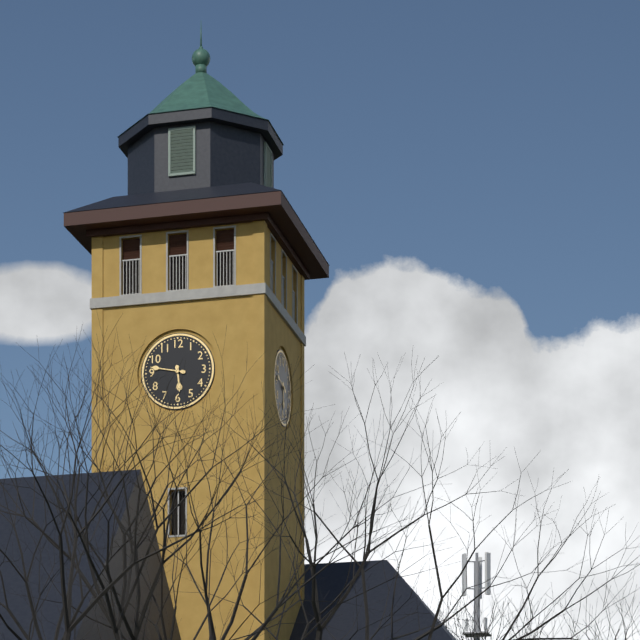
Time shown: {"hour": 5, "minute": 47}
